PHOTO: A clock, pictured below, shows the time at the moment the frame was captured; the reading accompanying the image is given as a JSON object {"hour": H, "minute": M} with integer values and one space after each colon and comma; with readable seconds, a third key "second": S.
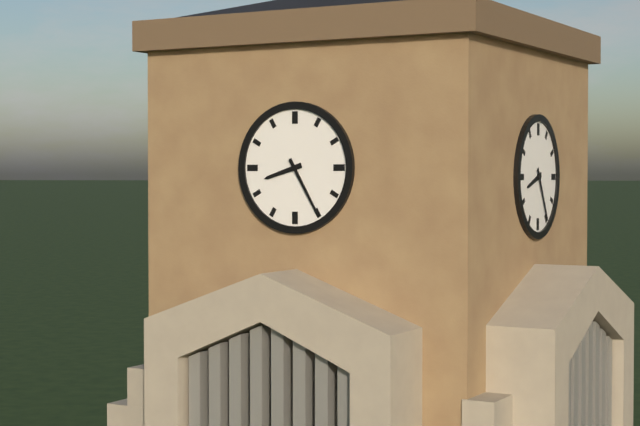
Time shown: {"hour": 8, "minute": 25}
